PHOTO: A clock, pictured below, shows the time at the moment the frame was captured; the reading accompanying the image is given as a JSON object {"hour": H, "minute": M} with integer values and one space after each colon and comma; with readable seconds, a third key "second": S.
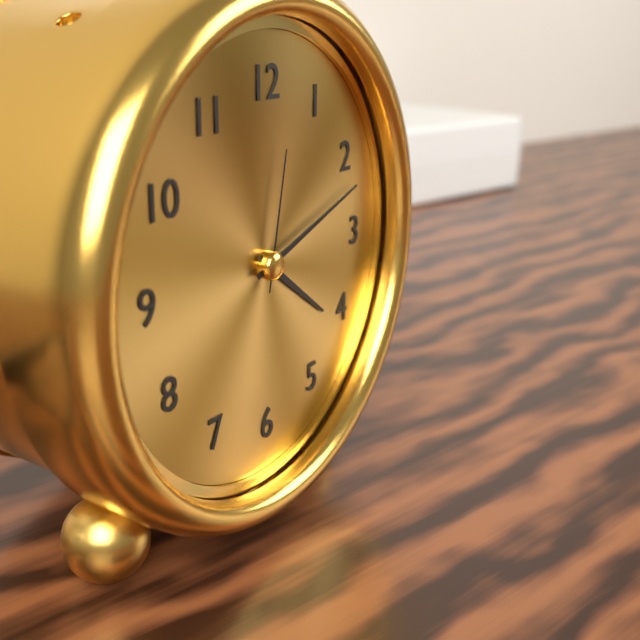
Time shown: {"hour": 4, "minute": 12, "second": 2}
